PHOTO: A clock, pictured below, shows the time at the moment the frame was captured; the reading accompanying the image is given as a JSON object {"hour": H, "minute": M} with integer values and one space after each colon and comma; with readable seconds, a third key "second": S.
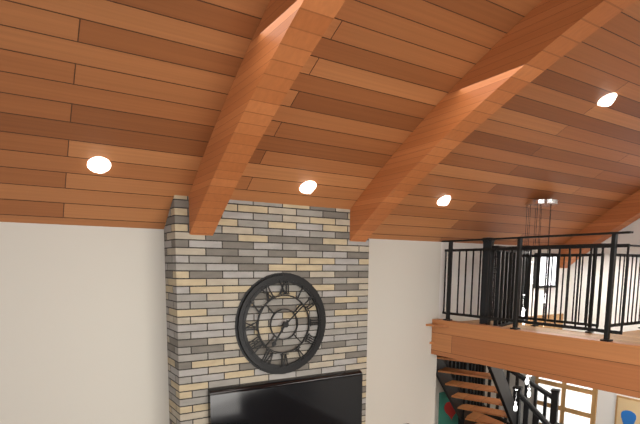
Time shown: {"hour": 7, "minute": 8}
